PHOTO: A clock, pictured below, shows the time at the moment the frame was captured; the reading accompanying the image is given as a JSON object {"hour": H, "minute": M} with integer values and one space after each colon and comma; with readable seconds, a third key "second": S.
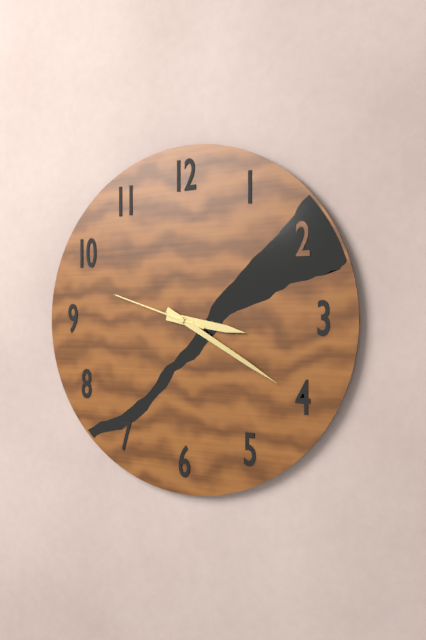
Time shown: {"hour": 3, "minute": 20, "second": 48}
